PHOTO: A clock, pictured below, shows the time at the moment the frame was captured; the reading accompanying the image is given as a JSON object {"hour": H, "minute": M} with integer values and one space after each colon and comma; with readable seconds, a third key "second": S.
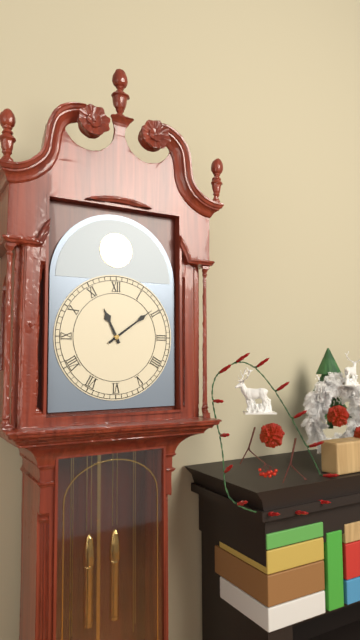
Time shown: {"hour": 11, "minute": 9}
